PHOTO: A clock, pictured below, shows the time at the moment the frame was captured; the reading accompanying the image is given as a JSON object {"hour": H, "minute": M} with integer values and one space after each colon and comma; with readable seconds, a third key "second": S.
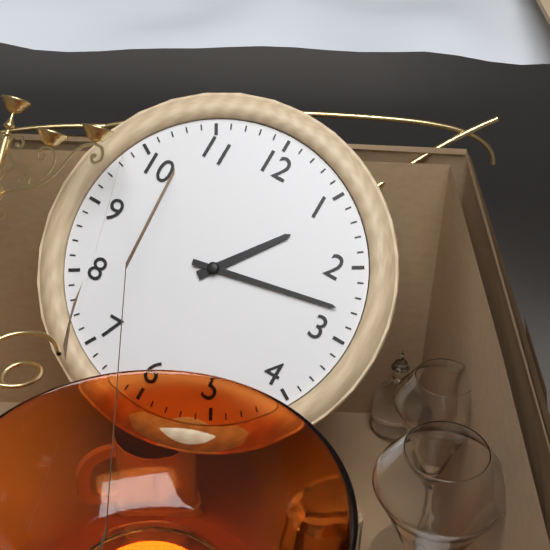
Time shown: {"hour": 1, "minute": 13}
